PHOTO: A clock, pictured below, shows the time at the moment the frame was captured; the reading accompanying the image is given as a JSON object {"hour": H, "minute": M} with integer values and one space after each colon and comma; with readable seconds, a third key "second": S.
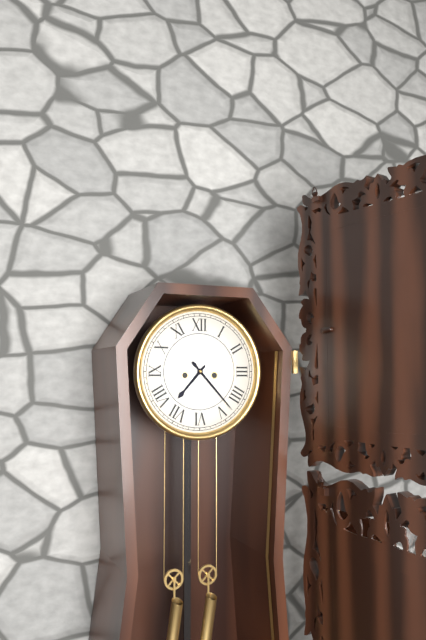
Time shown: {"hour": 7, "minute": 23}
